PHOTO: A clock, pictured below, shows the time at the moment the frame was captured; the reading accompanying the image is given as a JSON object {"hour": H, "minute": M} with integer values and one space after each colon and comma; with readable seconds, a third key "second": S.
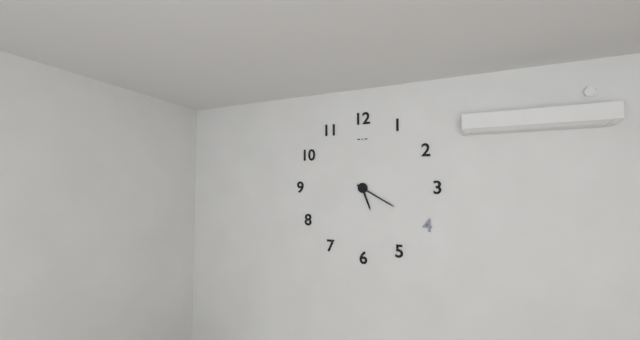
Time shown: {"hour": 5, "minute": 20}
